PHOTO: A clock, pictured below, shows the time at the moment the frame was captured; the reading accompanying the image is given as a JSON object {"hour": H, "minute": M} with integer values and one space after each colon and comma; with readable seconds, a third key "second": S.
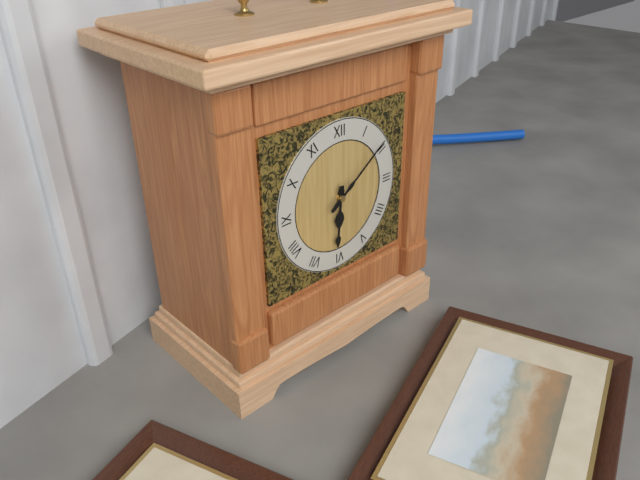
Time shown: {"hour": 6, "minute": 9}
